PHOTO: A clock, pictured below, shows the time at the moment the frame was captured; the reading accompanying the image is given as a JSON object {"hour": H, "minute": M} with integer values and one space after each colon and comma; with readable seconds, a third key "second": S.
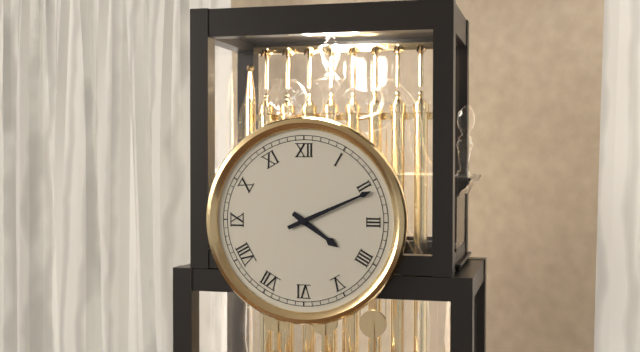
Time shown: {"hour": 4, "minute": 11}
